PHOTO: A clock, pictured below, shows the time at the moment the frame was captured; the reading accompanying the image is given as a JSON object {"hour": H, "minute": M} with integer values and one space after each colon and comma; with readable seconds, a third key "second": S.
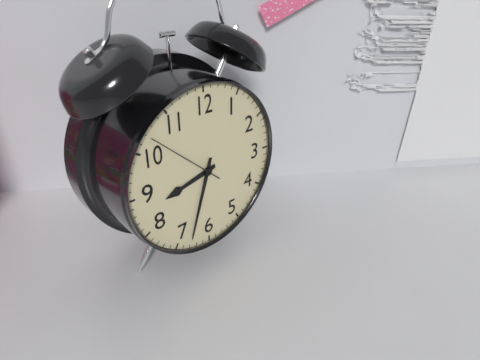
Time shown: {"hour": 8, "minute": 33, "second": 52}
